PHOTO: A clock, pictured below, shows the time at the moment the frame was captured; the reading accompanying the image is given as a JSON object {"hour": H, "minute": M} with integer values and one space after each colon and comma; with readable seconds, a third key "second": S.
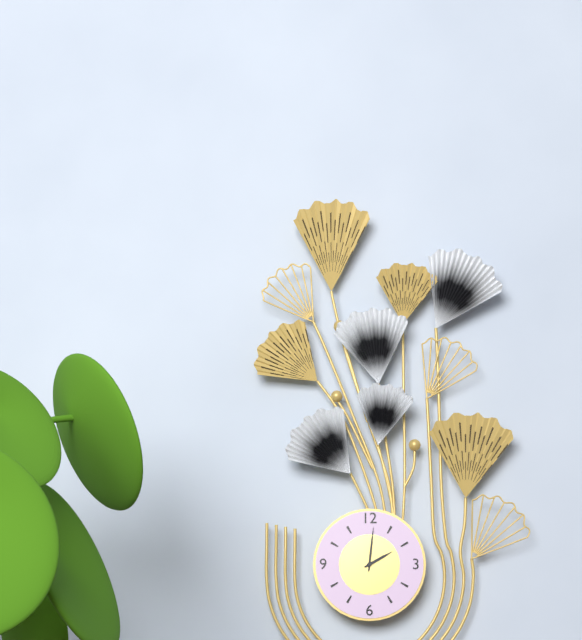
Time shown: {"hour": 2, "minute": 1}
